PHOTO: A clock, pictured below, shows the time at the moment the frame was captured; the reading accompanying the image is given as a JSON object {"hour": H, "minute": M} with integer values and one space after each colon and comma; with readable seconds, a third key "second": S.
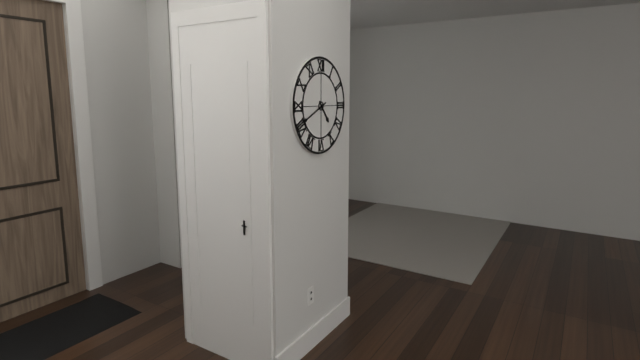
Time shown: {"hour": 4, "minute": 41}
